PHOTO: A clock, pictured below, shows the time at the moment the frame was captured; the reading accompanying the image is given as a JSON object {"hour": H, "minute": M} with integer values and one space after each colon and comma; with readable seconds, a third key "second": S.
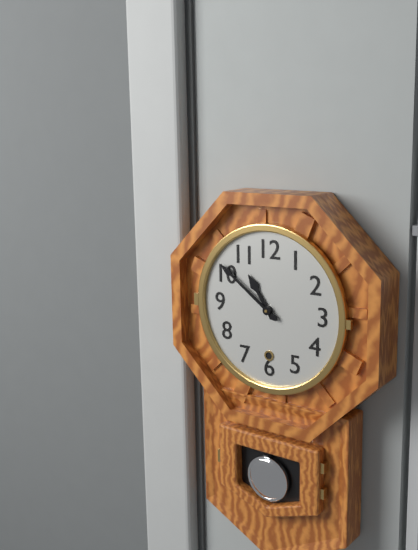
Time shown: {"hour": 10, "minute": 51}
